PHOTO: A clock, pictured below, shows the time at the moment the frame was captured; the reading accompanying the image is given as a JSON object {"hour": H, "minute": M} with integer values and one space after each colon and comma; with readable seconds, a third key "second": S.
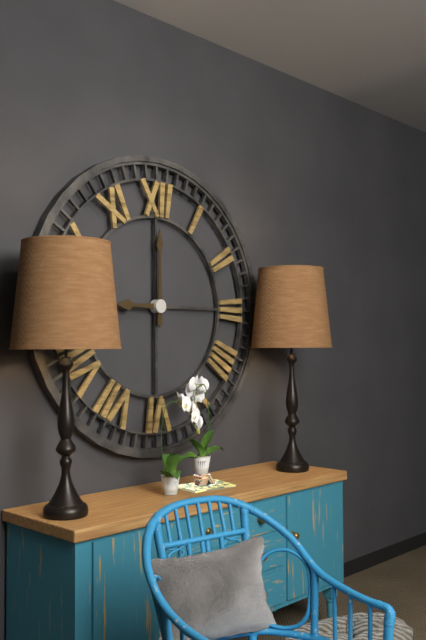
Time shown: {"hour": 9, "minute": 0}
